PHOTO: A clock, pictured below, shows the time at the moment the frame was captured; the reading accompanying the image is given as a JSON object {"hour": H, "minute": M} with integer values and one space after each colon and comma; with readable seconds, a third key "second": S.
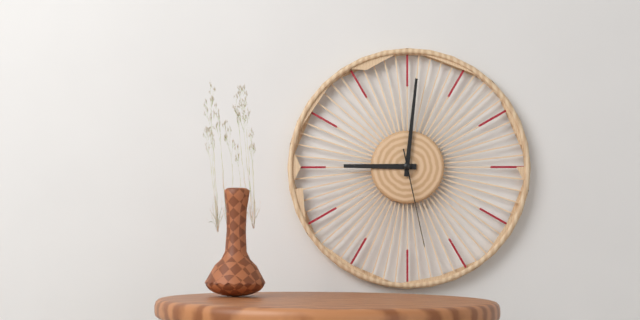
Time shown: {"hour": 9, "minute": 1, "second": 28}
